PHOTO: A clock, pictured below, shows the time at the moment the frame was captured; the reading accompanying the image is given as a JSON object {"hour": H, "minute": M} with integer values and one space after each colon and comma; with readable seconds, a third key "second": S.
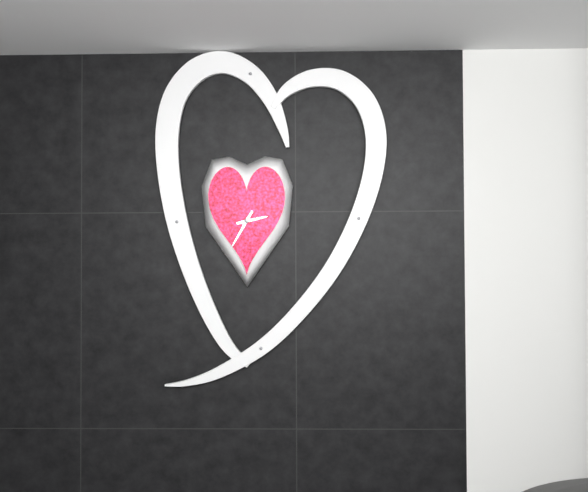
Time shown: {"hour": 2, "minute": 35}
